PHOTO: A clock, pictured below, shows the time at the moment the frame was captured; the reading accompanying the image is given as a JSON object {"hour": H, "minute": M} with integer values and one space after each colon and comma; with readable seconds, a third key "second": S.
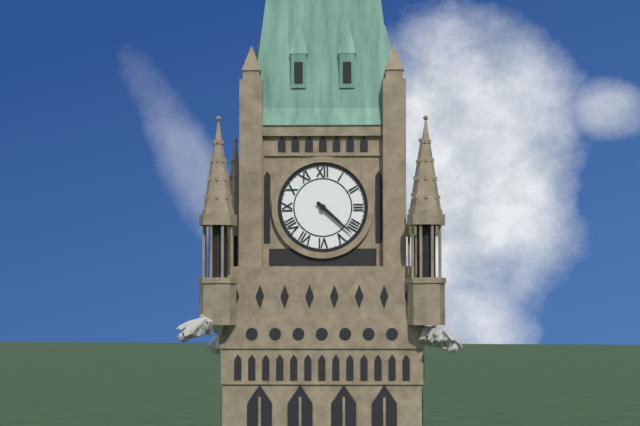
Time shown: {"hour": 4, "minute": 22}
